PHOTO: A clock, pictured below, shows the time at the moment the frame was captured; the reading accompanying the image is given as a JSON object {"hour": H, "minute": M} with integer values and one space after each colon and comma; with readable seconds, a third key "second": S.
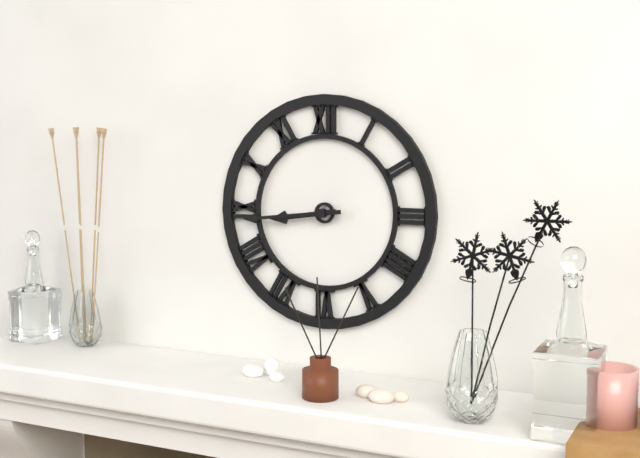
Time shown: {"hour": 8, "minute": 44}
